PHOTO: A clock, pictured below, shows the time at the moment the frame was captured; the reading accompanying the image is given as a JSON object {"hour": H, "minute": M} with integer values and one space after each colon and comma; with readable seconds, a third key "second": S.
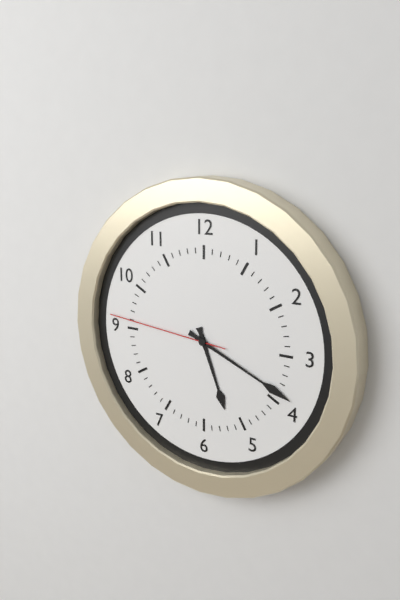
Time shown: {"hour": 5, "minute": 19, "second": 46}
